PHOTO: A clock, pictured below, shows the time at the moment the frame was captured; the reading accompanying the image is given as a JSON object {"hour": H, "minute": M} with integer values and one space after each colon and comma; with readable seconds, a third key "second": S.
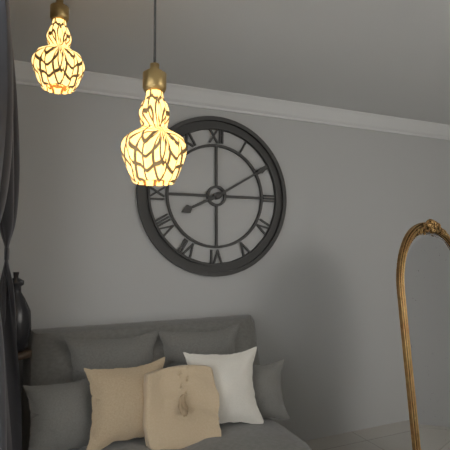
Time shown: {"hour": 8, "minute": 10}
